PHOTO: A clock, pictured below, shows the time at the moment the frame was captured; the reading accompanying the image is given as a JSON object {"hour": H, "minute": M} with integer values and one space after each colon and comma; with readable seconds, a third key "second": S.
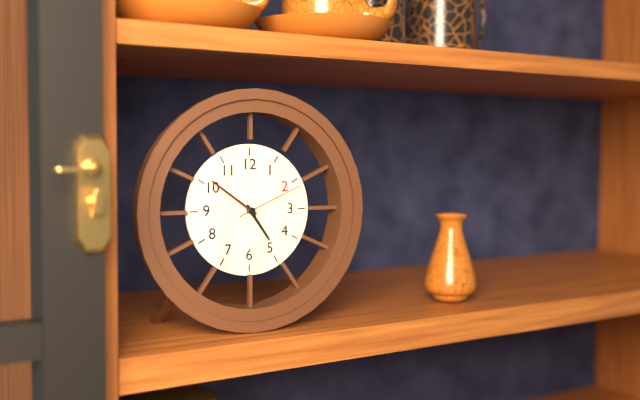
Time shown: {"hour": 4, "minute": 51, "second": 11}
